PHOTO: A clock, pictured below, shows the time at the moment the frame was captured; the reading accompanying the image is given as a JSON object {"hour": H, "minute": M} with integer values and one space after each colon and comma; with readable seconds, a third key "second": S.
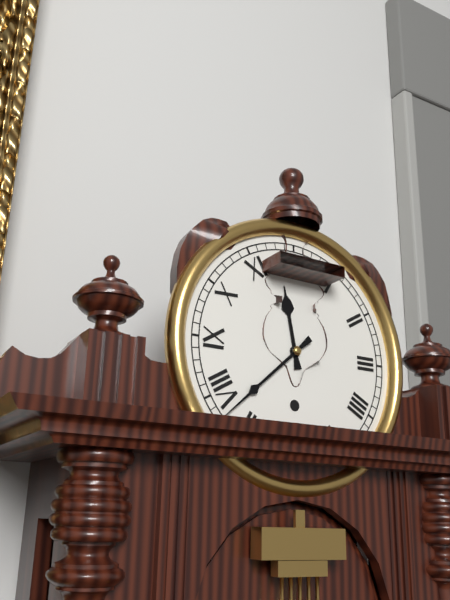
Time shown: {"hour": 11, "minute": 38}
